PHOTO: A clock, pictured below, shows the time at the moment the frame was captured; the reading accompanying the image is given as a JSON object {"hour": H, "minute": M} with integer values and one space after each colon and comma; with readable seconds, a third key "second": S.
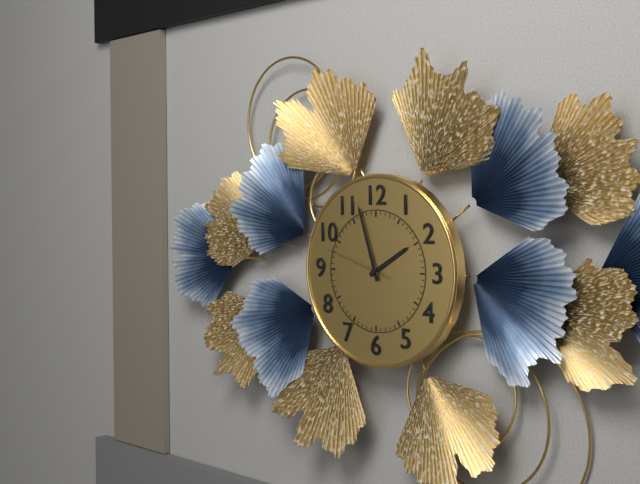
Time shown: {"hour": 1, "minute": 57, "second": 48}
